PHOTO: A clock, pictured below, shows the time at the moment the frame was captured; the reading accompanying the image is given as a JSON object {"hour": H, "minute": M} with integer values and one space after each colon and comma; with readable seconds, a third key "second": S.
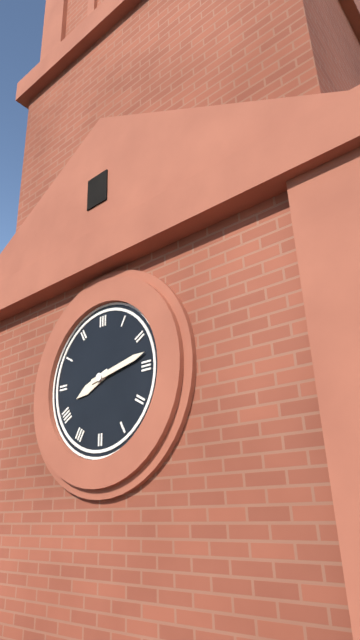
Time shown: {"hour": 8, "minute": 13}
